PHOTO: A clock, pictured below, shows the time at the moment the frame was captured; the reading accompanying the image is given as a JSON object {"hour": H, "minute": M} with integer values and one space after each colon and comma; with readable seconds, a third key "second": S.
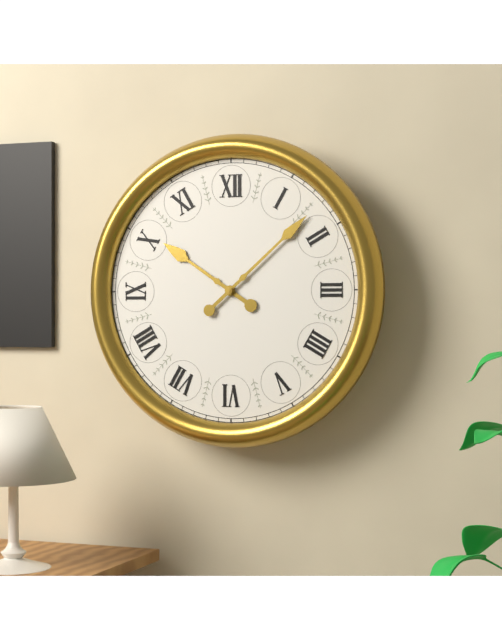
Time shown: {"hour": 10, "minute": 8}
